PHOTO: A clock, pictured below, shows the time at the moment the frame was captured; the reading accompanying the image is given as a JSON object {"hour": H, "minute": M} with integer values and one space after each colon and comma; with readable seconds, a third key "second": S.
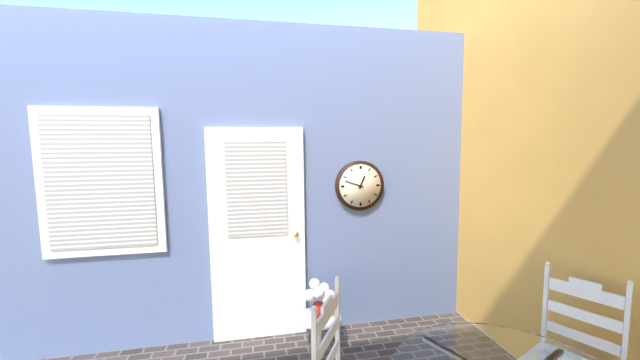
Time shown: {"hour": 12, "minute": 48}
